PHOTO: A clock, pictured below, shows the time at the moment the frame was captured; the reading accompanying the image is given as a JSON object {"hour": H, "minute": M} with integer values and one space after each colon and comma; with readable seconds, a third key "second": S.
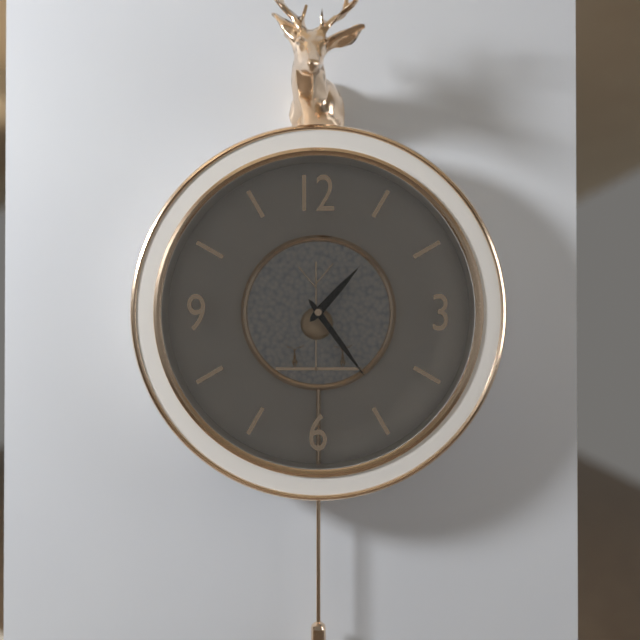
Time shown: {"hour": 1, "minute": 24}
